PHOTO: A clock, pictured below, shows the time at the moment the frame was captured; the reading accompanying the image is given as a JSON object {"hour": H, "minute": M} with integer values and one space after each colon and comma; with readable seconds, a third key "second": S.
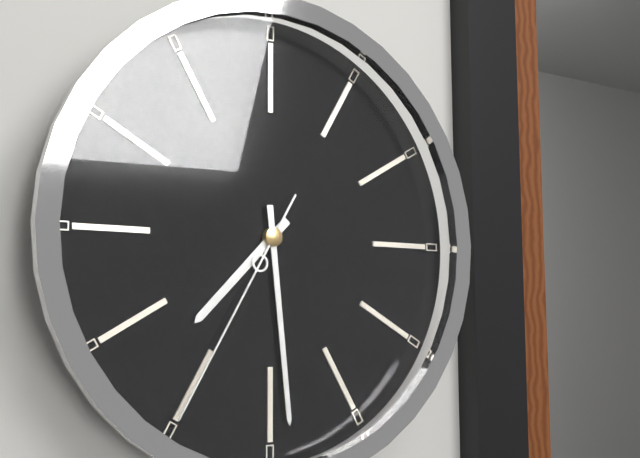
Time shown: {"hour": 7, "minute": 29, "second": 35}
